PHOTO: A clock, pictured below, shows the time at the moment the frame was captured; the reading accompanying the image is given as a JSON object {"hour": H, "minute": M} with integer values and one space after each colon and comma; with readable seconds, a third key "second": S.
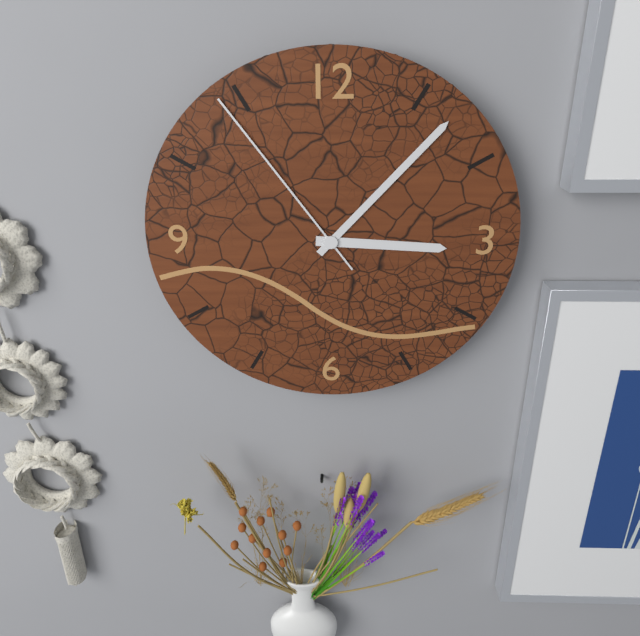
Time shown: {"hour": 3, "minute": 7, "second": 54}
